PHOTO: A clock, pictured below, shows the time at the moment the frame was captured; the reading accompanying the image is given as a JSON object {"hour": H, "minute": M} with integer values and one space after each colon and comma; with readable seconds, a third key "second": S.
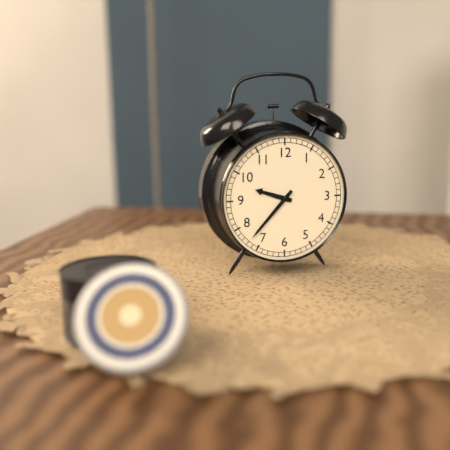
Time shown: {"hour": 9, "minute": 37}
